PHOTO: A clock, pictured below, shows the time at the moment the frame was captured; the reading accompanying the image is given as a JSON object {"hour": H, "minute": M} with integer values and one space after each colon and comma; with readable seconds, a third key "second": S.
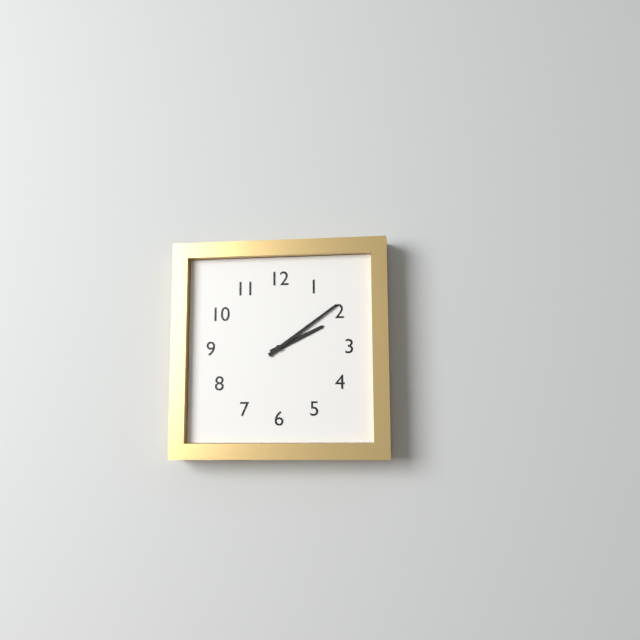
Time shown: {"hour": 2, "minute": 9}
